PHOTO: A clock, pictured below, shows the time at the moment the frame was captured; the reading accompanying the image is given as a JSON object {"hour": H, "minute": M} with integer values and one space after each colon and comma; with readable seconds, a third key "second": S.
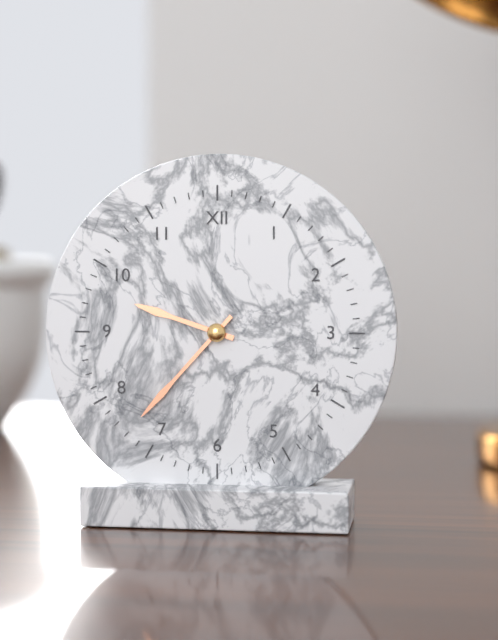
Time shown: {"hour": 9, "minute": 37}
